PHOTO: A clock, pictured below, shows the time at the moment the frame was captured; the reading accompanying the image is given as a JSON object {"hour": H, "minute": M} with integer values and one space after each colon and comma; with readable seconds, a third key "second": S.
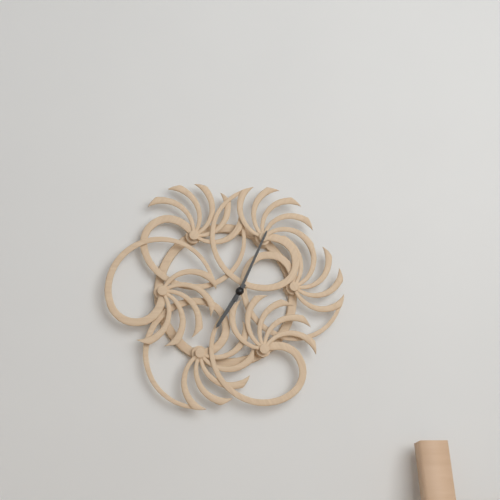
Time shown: {"hour": 7, "minute": 4}
